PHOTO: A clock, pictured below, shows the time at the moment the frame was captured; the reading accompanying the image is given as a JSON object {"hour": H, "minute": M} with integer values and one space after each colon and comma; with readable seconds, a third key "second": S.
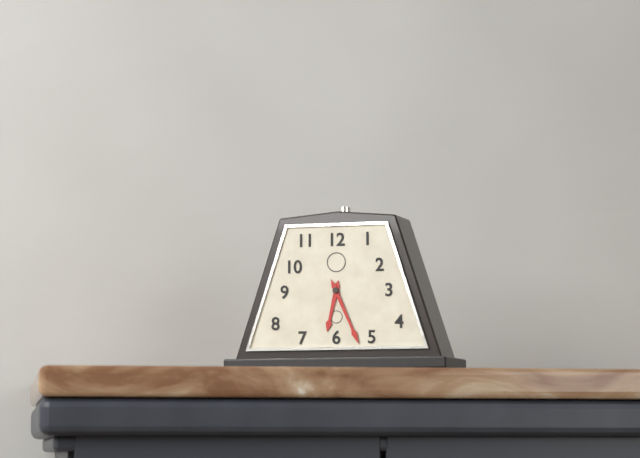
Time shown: {"hour": 6, "minute": 26}
